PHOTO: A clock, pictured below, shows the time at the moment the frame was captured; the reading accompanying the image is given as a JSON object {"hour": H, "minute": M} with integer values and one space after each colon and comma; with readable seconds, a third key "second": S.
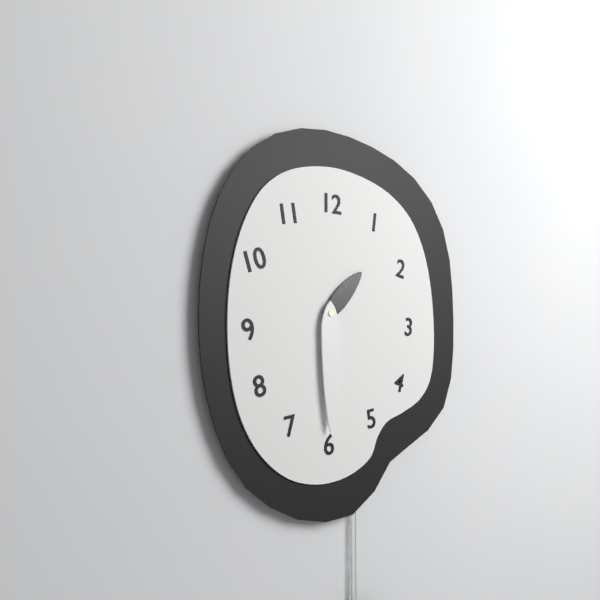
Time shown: {"hour": 1, "minute": 30}
